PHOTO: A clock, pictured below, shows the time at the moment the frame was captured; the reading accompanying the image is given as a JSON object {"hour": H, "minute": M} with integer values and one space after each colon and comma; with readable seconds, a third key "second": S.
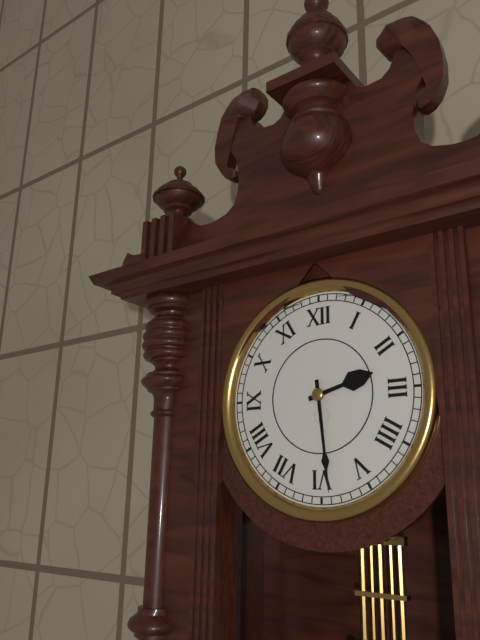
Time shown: {"hour": 2, "minute": 29}
